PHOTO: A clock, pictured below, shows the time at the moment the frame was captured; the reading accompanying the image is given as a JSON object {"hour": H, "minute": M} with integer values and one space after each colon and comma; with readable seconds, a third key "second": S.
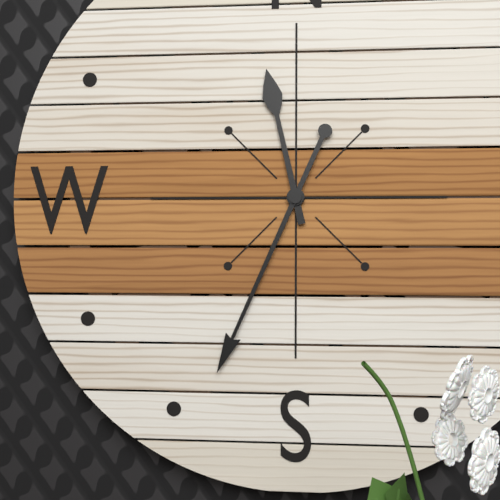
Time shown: {"hour": 11, "minute": 34}
